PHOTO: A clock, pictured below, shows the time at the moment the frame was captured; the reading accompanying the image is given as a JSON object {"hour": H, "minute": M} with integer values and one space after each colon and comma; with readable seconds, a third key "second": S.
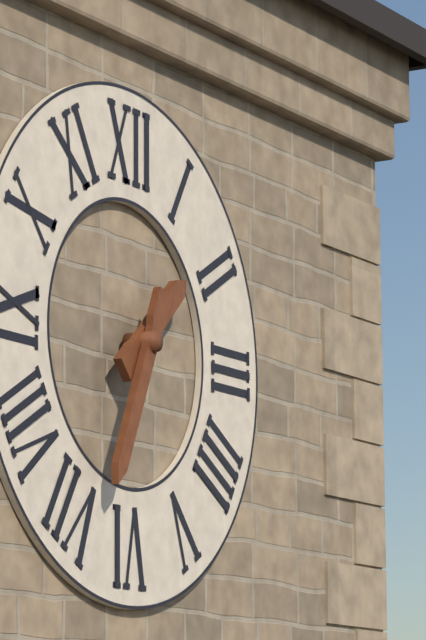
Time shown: {"hour": 1, "minute": 34}
